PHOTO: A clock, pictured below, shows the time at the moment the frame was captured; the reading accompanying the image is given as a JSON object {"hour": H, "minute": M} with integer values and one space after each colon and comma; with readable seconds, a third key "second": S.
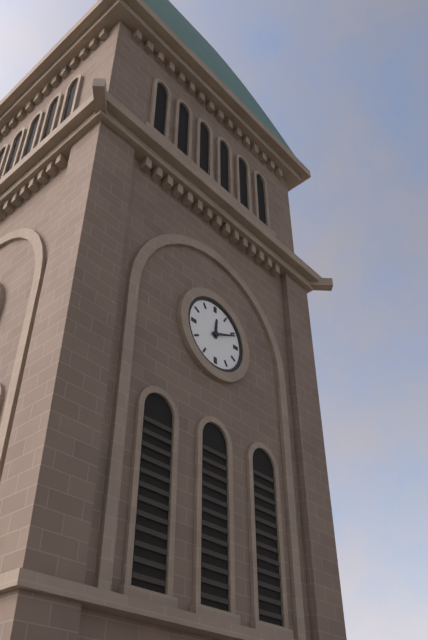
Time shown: {"hour": 12, "minute": 11}
